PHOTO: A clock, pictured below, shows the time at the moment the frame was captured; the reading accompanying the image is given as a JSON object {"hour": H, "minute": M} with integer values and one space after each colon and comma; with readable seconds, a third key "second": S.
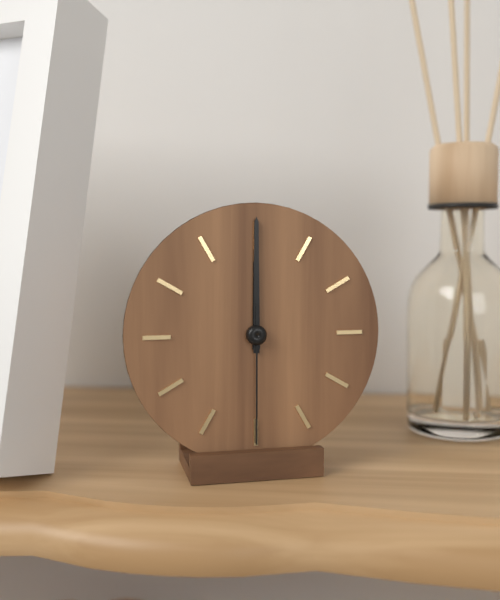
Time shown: {"hour": 12, "minute": 0, "second": 30}
